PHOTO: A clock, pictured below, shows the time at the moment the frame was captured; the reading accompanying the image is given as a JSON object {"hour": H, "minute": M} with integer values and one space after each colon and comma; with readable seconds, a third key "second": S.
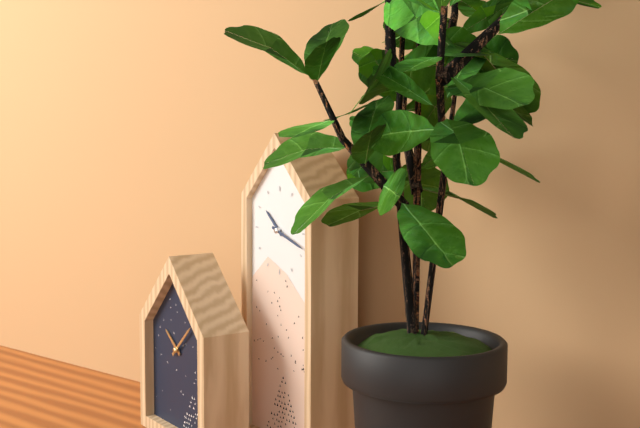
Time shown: {"hour": 10, "minute": 18}
